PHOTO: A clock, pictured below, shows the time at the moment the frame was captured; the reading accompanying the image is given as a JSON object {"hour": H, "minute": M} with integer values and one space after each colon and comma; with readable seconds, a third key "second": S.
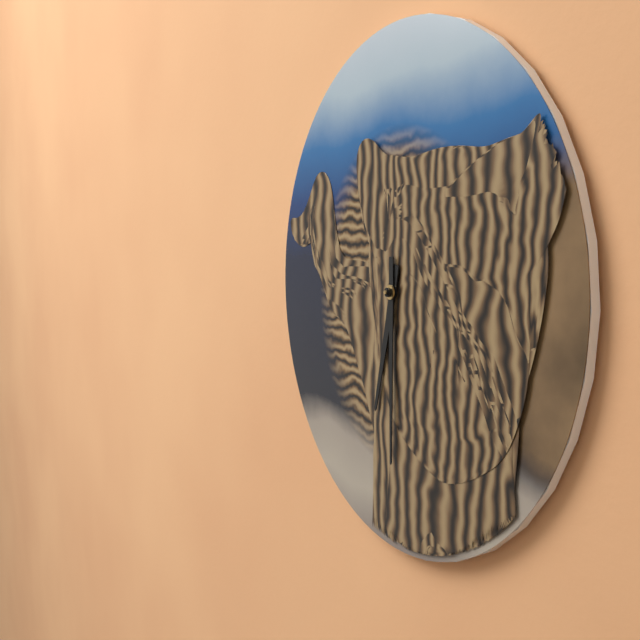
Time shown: {"hour": 6, "minute": 30}
